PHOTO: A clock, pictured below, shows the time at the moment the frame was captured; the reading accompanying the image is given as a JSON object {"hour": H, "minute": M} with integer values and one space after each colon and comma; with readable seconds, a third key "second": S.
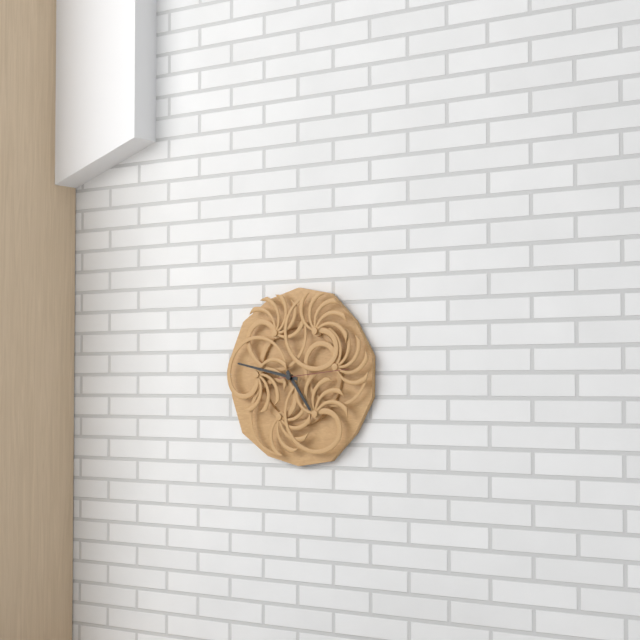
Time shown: {"hour": 4, "minute": 47, "second": 14}
